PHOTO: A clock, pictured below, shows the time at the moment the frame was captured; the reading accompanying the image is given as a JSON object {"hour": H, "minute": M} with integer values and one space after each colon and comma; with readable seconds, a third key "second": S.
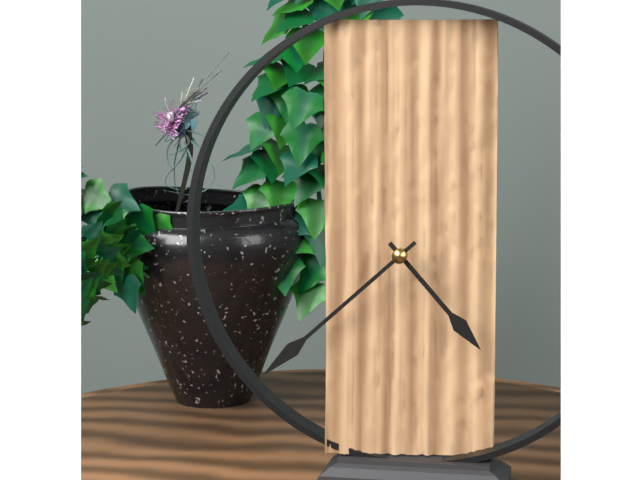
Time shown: {"hour": 4, "minute": 38}
